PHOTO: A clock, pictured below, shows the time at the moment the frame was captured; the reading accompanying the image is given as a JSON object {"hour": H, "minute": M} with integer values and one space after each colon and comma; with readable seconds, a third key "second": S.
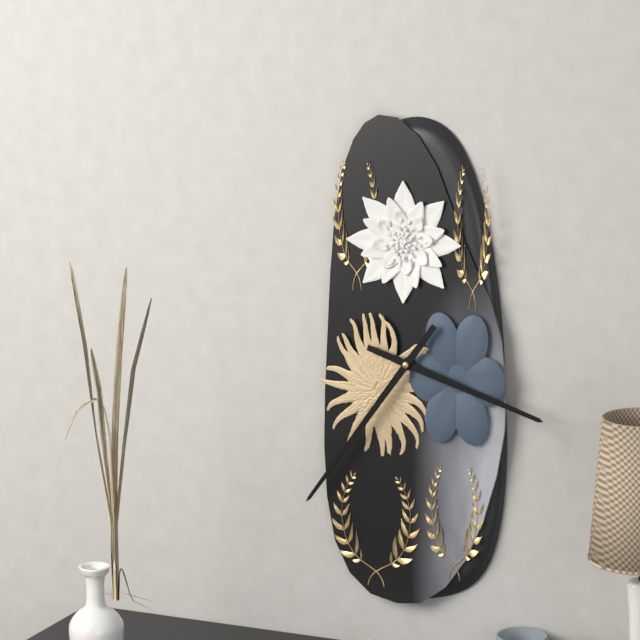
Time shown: {"hour": 3, "minute": 36}
